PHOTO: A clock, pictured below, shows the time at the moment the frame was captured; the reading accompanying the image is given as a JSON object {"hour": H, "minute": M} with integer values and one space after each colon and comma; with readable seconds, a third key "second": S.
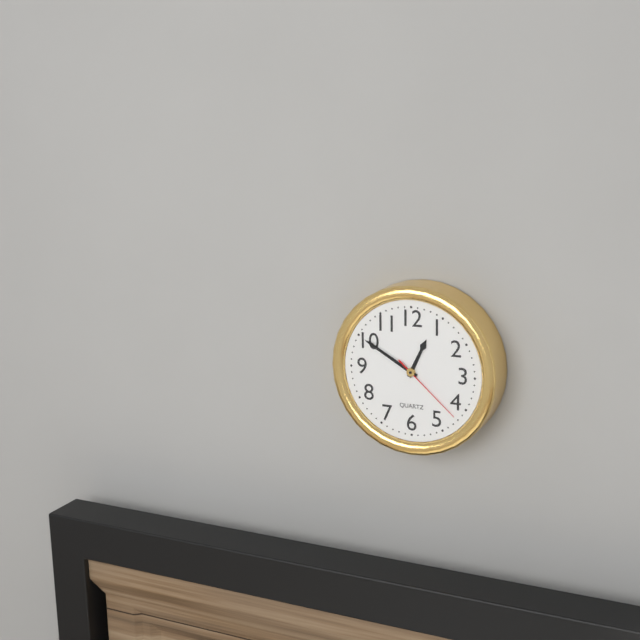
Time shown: {"hour": 12, "minute": 50, "second": 22}
